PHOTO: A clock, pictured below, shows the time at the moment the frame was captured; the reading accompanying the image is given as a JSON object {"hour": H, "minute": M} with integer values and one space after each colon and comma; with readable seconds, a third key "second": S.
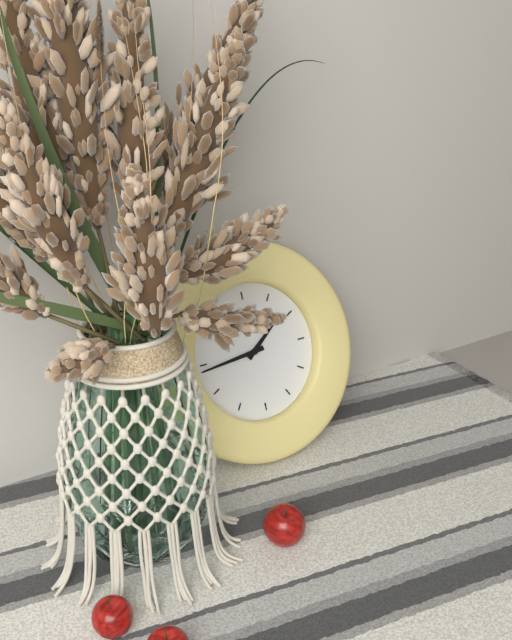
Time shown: {"hour": 1, "minute": 44}
